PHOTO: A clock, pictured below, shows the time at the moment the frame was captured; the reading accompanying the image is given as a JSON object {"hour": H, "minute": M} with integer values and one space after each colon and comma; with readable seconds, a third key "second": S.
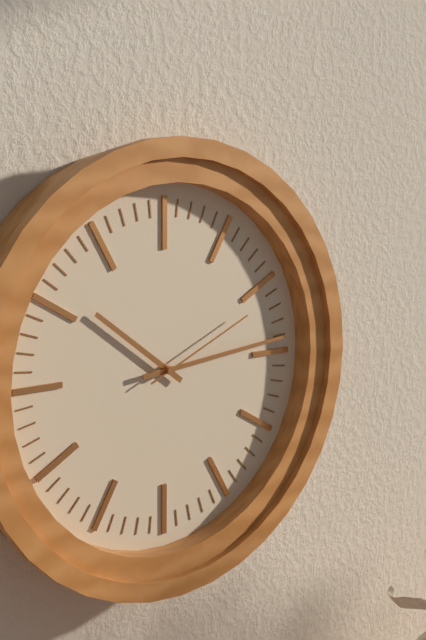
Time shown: {"hour": 10, "minute": 14, "second": 11}
